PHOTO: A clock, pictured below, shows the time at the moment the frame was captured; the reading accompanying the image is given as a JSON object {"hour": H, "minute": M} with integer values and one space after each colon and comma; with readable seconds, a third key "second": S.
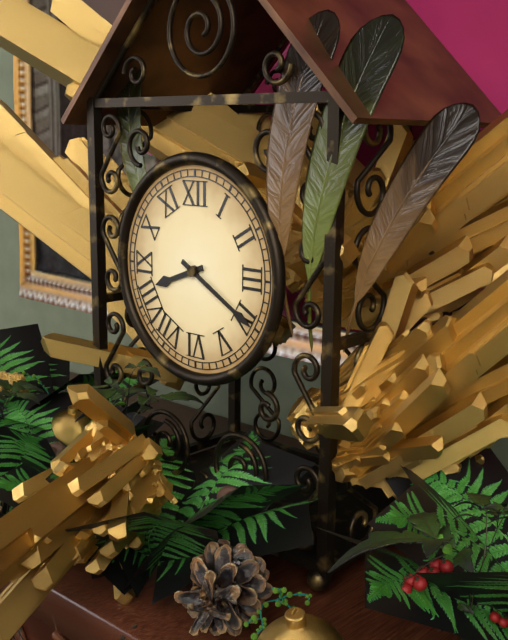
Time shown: {"hour": 8, "minute": 20}
